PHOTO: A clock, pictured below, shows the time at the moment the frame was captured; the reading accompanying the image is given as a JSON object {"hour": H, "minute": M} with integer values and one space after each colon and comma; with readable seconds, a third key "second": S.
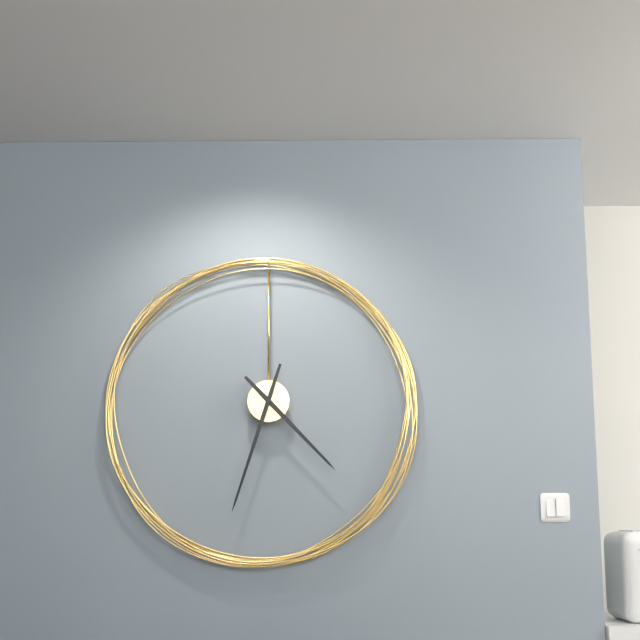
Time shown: {"hour": 4, "minute": 33}
